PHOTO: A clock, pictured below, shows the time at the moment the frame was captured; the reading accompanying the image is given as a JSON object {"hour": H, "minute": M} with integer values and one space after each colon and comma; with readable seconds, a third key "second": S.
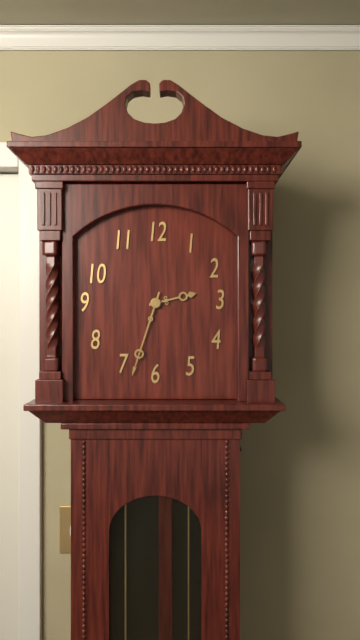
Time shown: {"hour": 2, "minute": 33}
